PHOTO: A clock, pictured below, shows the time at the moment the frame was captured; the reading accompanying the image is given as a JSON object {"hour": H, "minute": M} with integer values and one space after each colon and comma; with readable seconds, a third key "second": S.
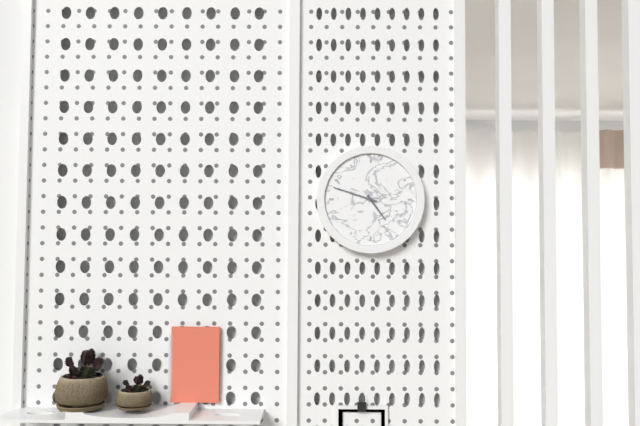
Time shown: {"hour": 4, "minute": 48}
